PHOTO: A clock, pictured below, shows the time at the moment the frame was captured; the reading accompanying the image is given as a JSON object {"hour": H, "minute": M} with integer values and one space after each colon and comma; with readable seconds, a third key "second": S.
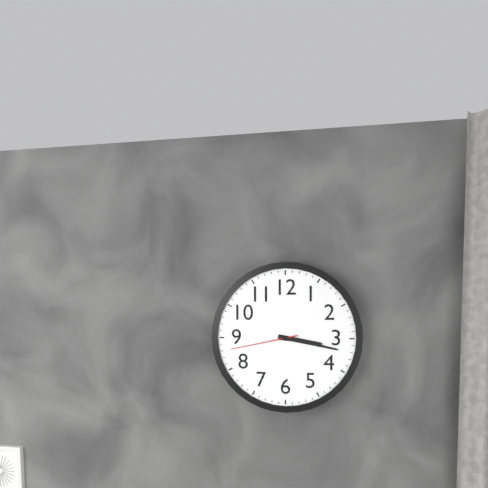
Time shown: {"hour": 3, "minute": 17, "second": 43}
